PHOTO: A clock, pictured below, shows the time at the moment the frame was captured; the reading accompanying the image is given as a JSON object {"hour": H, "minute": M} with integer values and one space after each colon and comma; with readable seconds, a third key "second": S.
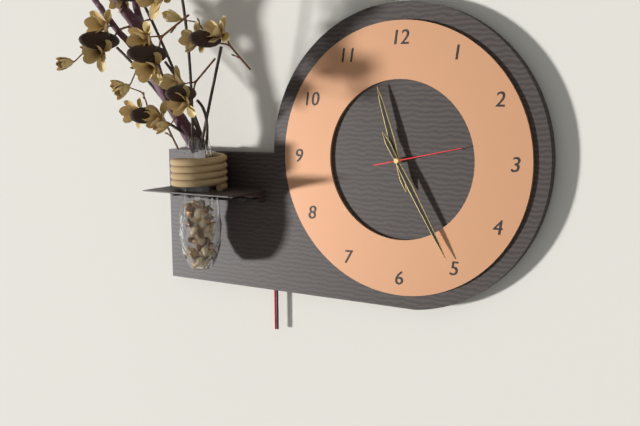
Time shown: {"hour": 11, "minute": 25, "second": 13}
